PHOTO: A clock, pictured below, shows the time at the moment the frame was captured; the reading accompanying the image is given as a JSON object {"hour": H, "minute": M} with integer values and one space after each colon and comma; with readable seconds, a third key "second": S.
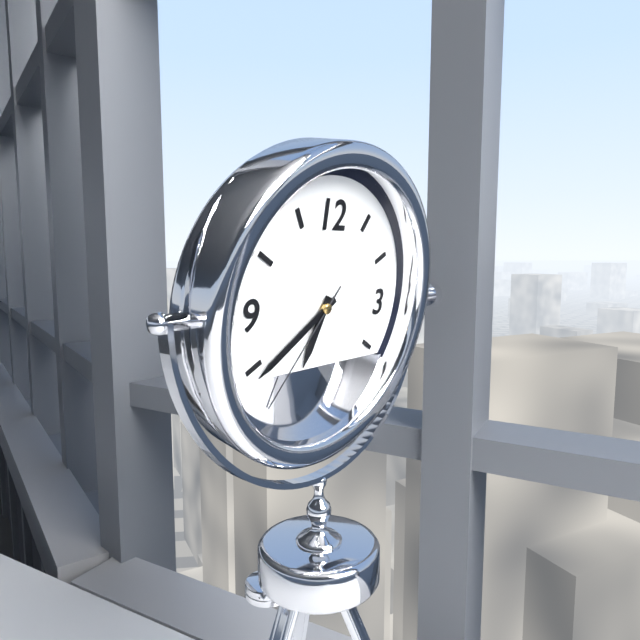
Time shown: {"hour": 6, "minute": 39, "second": 36}
